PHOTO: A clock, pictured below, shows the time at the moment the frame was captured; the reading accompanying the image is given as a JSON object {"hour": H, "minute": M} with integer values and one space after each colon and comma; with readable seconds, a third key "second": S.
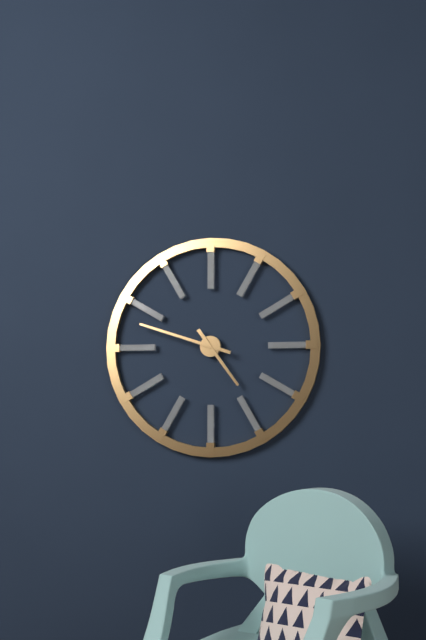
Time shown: {"hour": 4, "minute": 48}
